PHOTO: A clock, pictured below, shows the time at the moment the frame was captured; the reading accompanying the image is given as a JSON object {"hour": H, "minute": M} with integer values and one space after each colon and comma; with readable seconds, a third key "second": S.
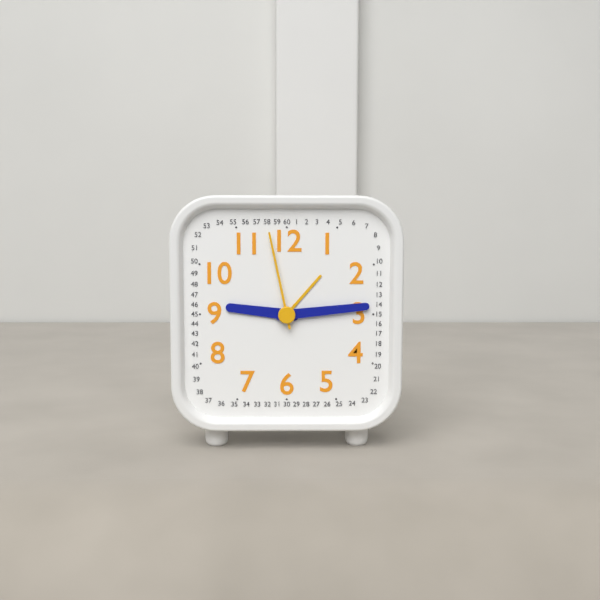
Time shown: {"hour": 9, "minute": 14, "second": 58}
